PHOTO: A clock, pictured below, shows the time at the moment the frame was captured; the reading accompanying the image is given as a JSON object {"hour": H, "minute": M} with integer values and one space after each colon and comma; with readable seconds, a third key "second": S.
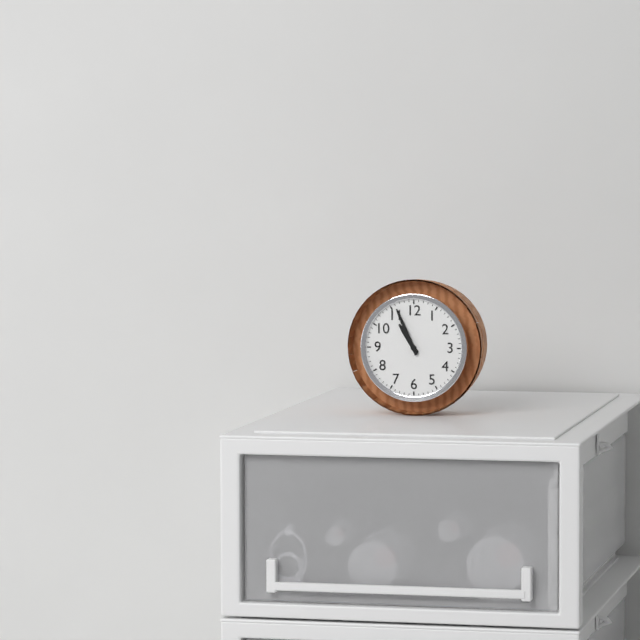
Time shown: {"hour": 10, "minute": 56}
